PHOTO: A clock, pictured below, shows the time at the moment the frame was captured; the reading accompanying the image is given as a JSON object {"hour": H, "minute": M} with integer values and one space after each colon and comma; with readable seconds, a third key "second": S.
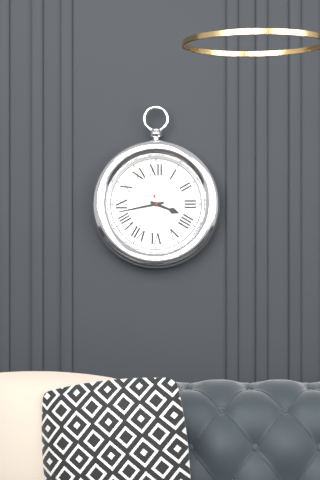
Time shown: {"hour": 3, "minute": 43, "second": 28}
